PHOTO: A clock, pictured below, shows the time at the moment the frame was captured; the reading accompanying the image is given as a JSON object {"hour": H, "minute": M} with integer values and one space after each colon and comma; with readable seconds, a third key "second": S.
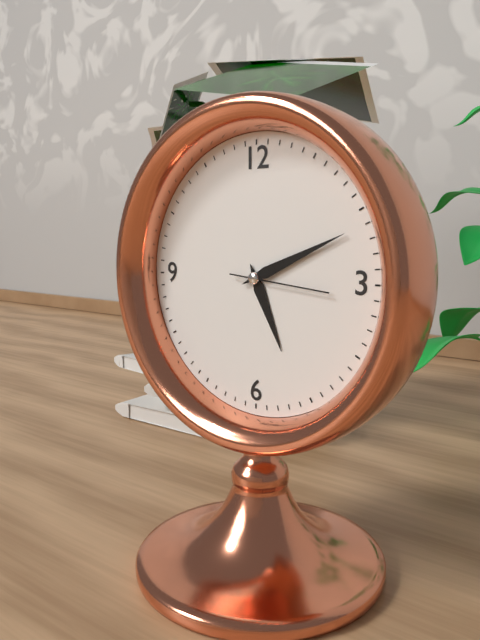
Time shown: {"hour": 5, "minute": 11, "second": 16}
